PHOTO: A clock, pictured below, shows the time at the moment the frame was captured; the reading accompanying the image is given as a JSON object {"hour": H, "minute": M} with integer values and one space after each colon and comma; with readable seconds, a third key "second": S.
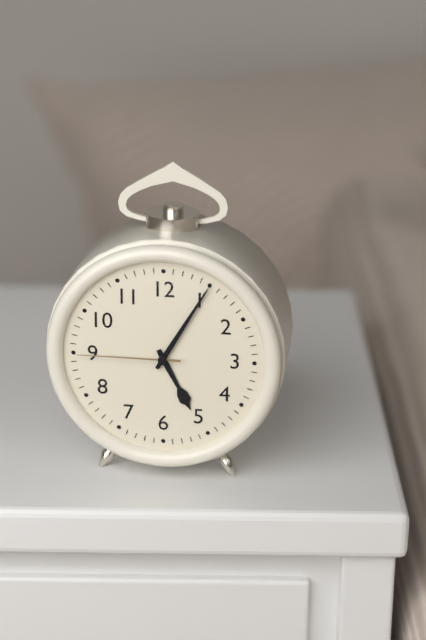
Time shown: {"hour": 5, "minute": 5, "second": 45}
